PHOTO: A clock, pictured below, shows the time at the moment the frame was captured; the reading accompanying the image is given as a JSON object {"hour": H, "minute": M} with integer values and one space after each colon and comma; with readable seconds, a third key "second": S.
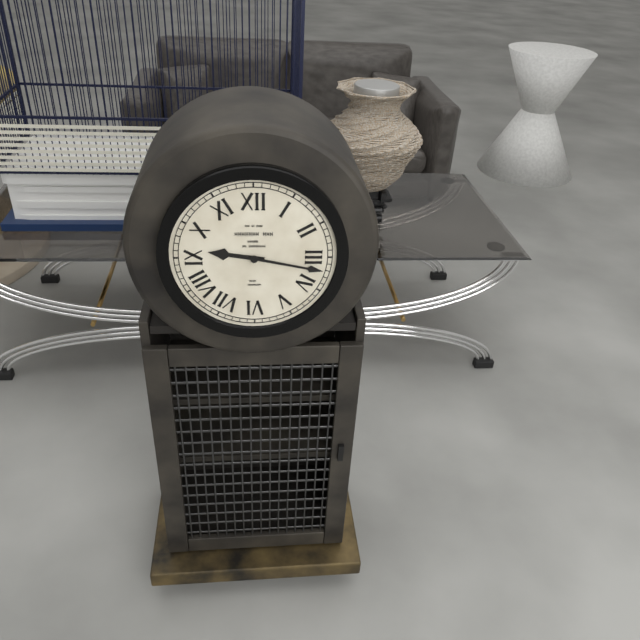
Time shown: {"hour": 9, "minute": 17}
